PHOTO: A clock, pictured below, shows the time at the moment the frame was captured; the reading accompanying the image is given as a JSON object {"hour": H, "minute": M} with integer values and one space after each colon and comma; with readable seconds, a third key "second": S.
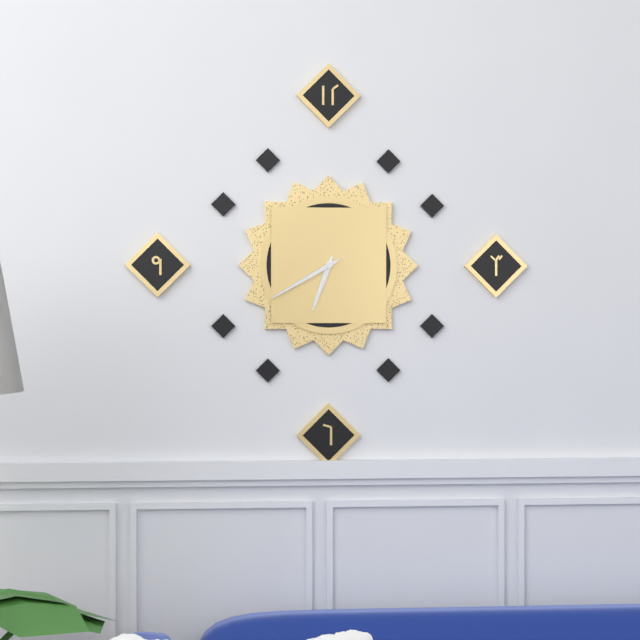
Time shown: {"hour": 6, "minute": 40}
